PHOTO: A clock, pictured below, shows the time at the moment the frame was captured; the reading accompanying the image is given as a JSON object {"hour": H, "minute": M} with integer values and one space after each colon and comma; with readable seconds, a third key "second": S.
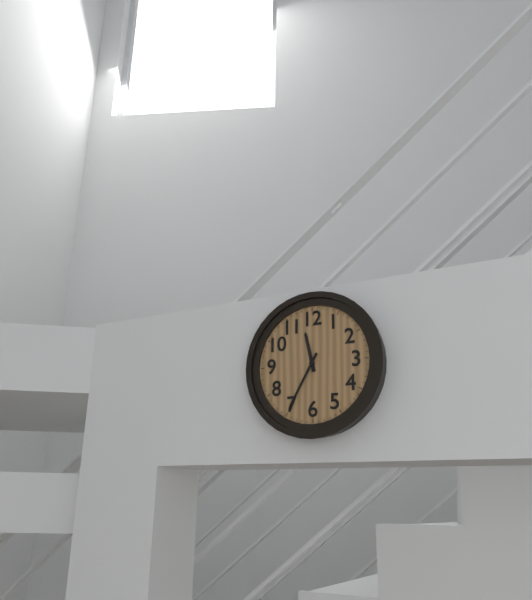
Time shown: {"hour": 11, "minute": 35}
